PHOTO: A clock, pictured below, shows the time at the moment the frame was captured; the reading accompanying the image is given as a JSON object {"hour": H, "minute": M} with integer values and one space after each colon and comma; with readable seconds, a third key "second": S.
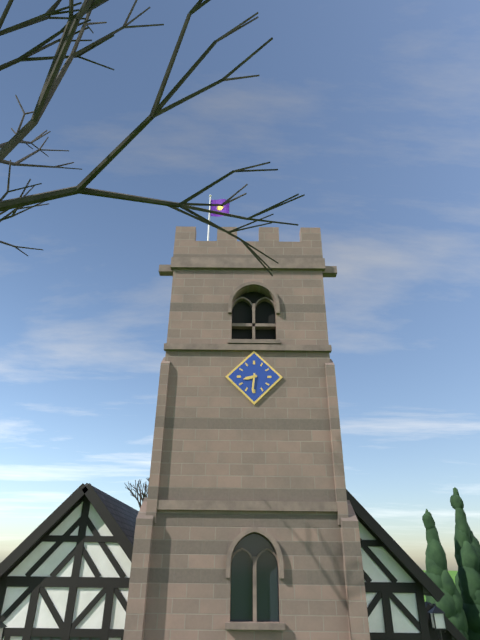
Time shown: {"hour": 8, "minute": 31}
